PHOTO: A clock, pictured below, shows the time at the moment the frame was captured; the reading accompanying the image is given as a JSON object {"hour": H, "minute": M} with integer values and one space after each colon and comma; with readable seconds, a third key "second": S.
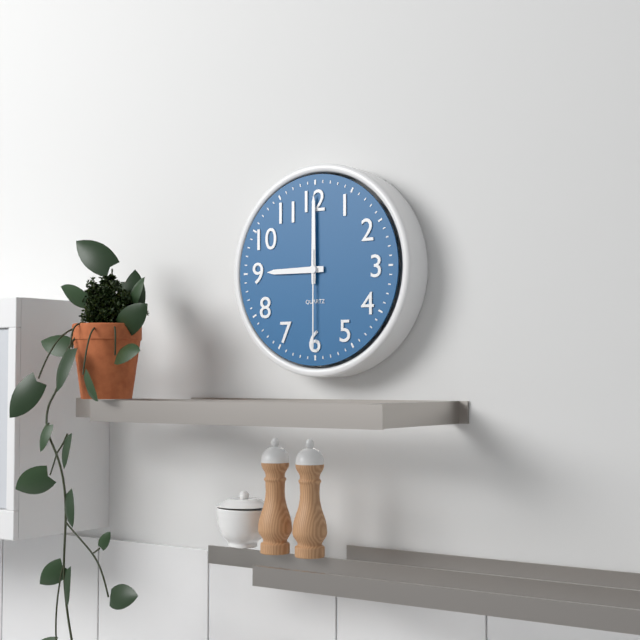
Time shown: {"hour": 9, "minute": 0, "second": 30}
